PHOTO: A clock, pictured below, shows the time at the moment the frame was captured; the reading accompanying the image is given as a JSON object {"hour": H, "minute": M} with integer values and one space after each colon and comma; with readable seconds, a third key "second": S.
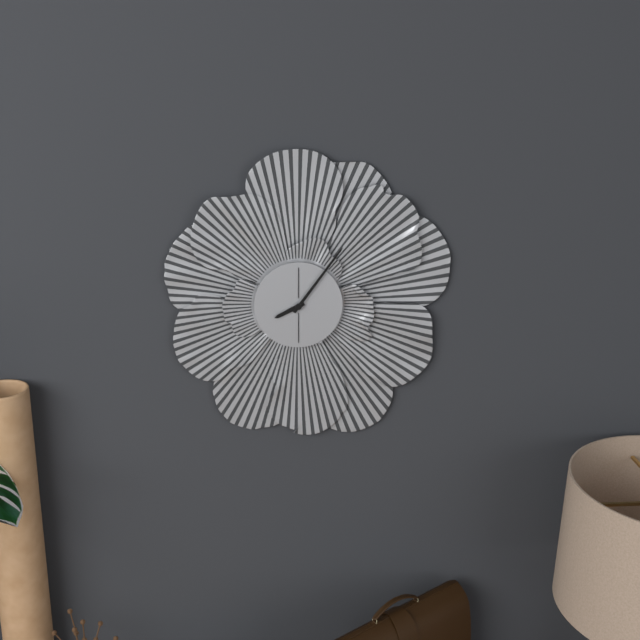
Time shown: {"hour": 8, "minute": 6}
